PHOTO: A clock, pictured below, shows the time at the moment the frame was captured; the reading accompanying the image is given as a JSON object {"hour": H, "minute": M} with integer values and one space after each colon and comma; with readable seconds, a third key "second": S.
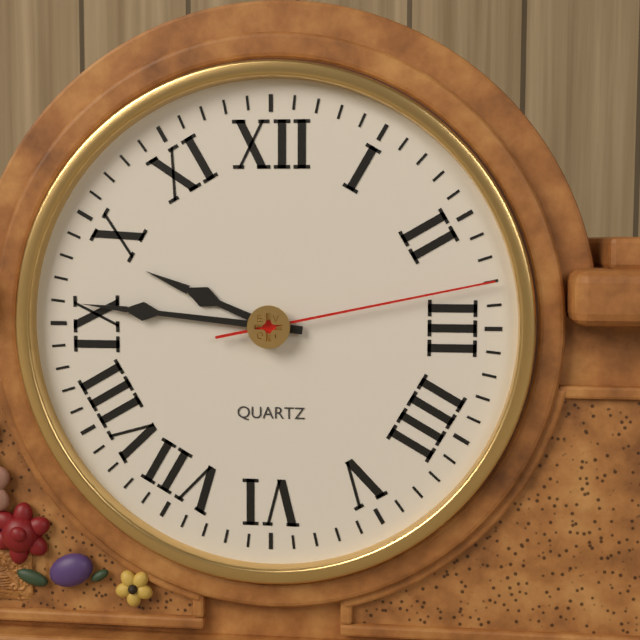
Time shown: {"hour": 9, "minute": 46, "second": 13}
